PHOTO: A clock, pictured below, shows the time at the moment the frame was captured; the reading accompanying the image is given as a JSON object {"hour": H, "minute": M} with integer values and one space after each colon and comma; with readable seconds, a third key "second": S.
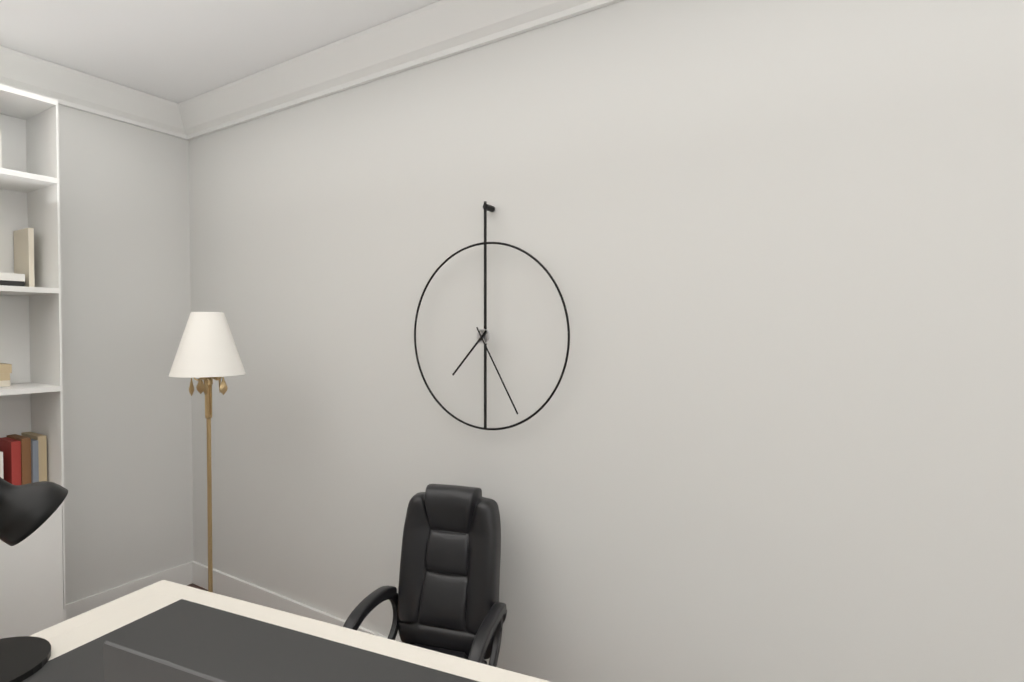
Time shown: {"hour": 7, "minute": 25}
